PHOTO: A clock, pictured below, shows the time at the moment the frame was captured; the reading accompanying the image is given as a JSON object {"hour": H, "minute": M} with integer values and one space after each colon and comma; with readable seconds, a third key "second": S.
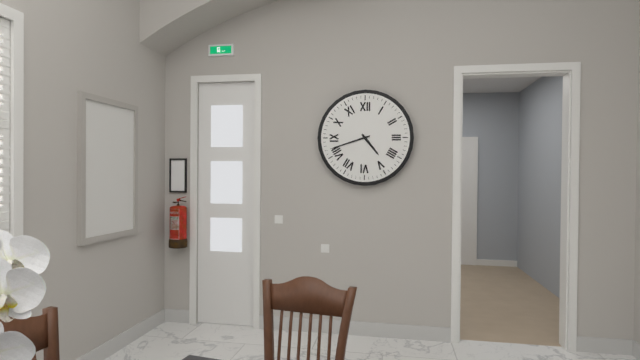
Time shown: {"hour": 4, "minute": 42}
